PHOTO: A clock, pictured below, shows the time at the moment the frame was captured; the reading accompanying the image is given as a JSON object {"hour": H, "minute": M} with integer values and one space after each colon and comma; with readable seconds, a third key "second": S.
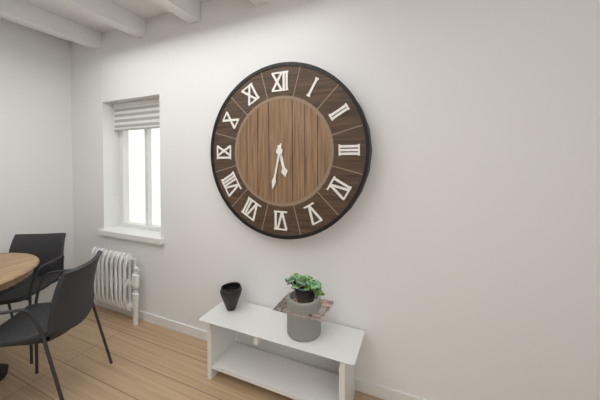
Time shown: {"hour": 5, "minute": 32}
